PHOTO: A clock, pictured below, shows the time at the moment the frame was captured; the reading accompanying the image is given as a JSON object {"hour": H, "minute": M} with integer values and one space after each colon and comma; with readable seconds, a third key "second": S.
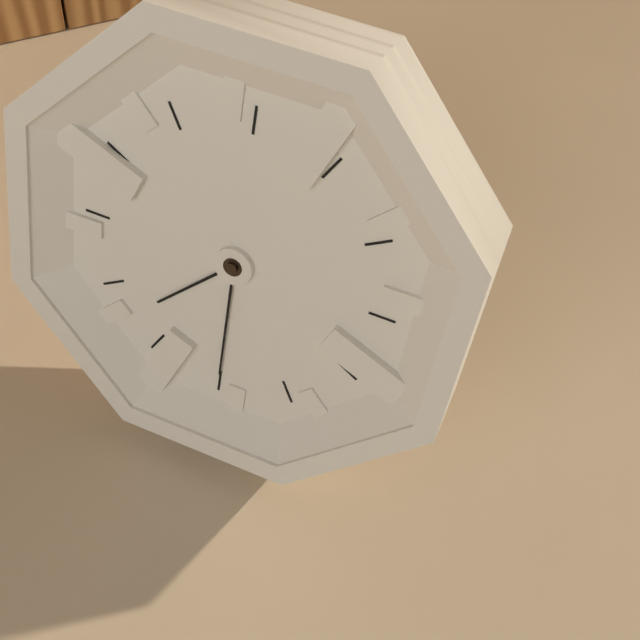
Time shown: {"hour": 7, "minute": 30}
